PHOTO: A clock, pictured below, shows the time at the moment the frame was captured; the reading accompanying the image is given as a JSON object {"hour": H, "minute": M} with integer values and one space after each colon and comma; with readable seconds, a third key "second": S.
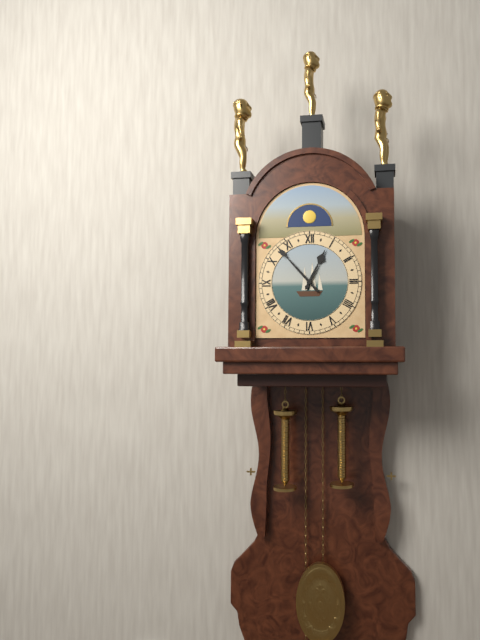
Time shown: {"hour": 12, "minute": 53}
